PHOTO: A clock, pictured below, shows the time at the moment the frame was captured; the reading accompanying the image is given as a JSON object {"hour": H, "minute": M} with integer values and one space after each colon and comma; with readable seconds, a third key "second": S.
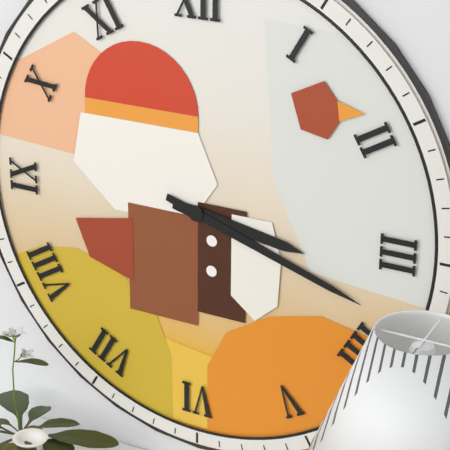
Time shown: {"hour": 3, "minute": 18}
